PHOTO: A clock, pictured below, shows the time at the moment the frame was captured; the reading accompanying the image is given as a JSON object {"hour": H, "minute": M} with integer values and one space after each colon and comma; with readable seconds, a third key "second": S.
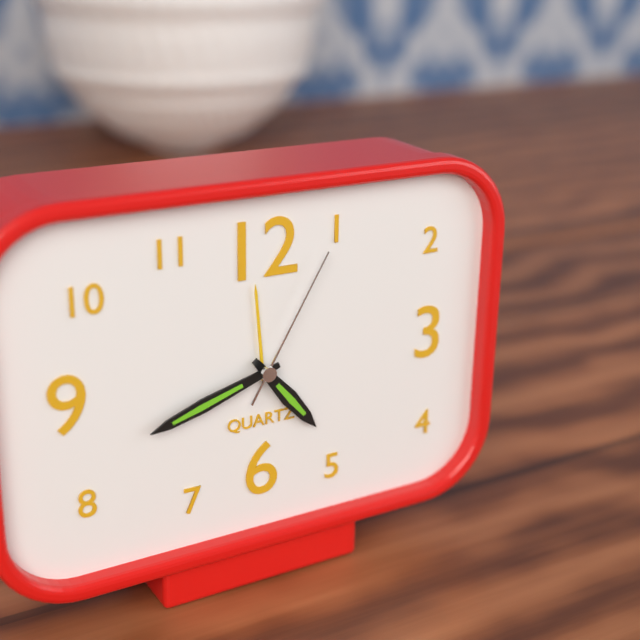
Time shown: {"hour": 4, "minute": 42, "second": 5}
